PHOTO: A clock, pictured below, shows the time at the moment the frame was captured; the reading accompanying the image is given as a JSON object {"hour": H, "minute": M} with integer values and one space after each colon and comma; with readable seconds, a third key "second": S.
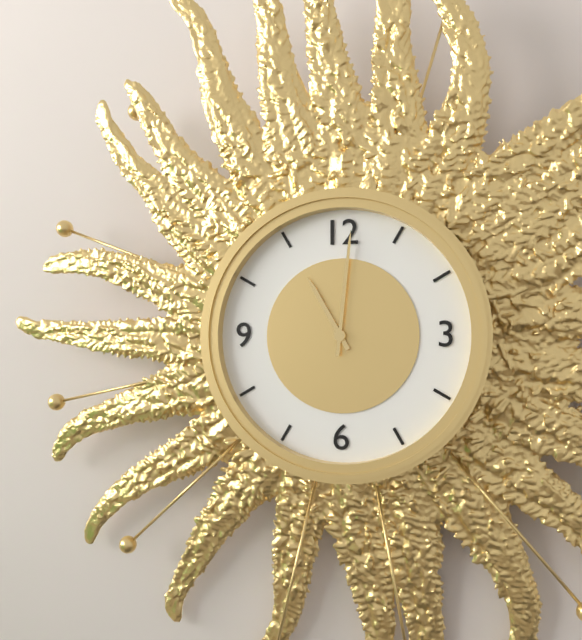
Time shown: {"hour": 11, "minute": 1}
